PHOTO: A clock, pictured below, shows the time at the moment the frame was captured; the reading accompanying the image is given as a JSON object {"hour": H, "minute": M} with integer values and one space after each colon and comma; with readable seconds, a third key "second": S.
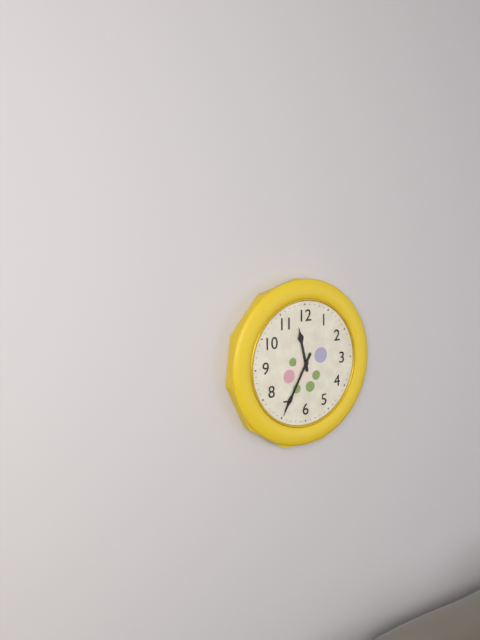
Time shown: {"hour": 11, "minute": 35}
